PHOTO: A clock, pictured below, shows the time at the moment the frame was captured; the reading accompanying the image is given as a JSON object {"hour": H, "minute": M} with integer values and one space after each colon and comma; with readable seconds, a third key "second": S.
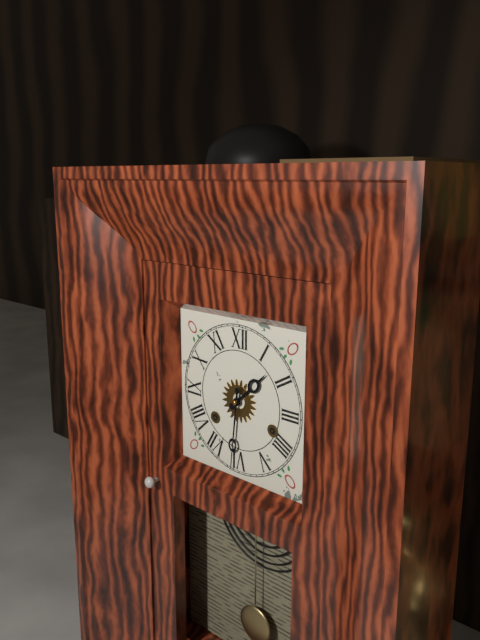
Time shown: {"hour": 1, "minute": 31}
